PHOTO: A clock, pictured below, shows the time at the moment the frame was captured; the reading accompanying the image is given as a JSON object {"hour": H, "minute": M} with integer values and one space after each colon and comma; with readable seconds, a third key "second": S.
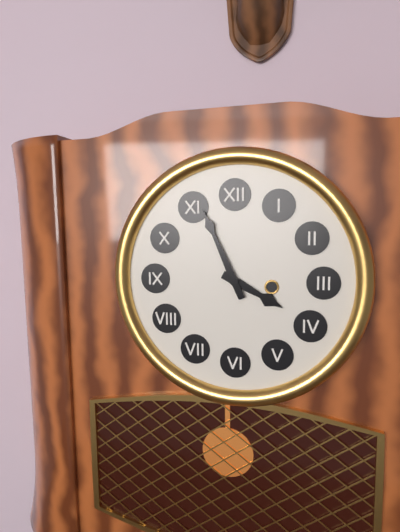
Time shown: {"hour": 3, "minute": 56}
